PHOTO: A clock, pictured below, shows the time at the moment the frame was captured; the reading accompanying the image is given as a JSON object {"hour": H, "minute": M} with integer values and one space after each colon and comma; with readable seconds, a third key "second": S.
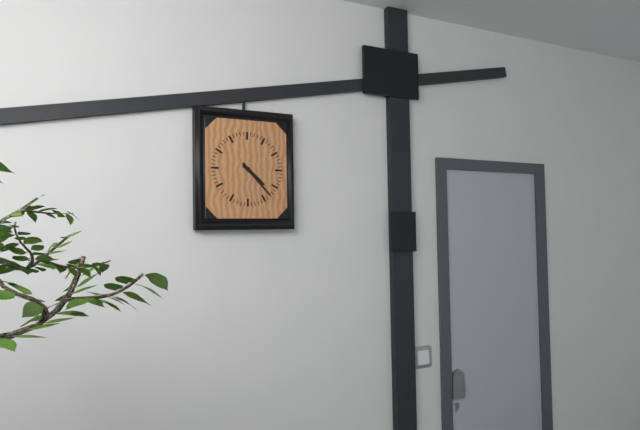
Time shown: {"hour": 4, "minute": 23}
